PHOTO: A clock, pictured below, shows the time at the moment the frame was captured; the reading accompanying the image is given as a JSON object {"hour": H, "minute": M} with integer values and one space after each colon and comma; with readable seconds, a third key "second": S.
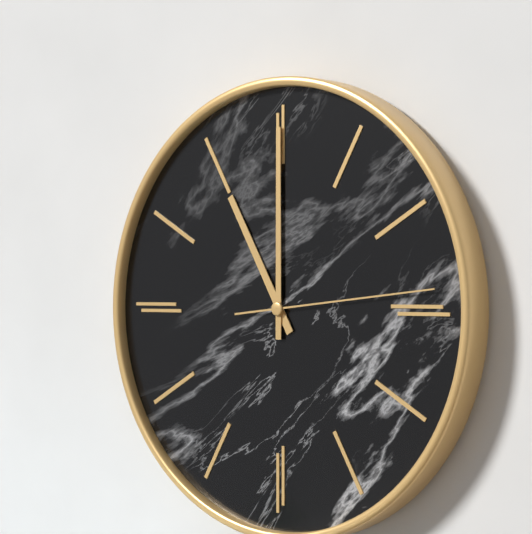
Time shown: {"hour": 11, "minute": 0, "second": 14}
